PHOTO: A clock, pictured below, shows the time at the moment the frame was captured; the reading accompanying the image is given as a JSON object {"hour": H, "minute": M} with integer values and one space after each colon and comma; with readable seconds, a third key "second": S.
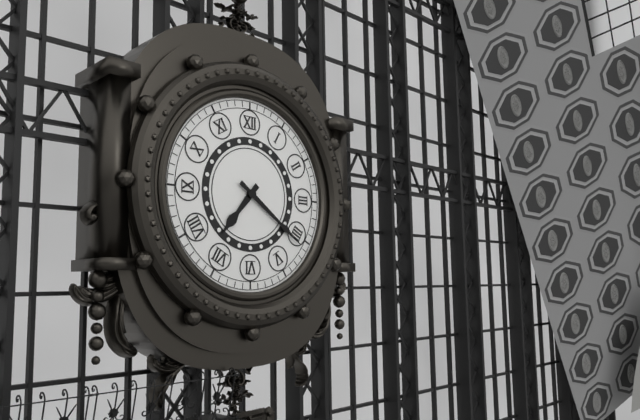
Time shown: {"hour": 7, "minute": 21}
